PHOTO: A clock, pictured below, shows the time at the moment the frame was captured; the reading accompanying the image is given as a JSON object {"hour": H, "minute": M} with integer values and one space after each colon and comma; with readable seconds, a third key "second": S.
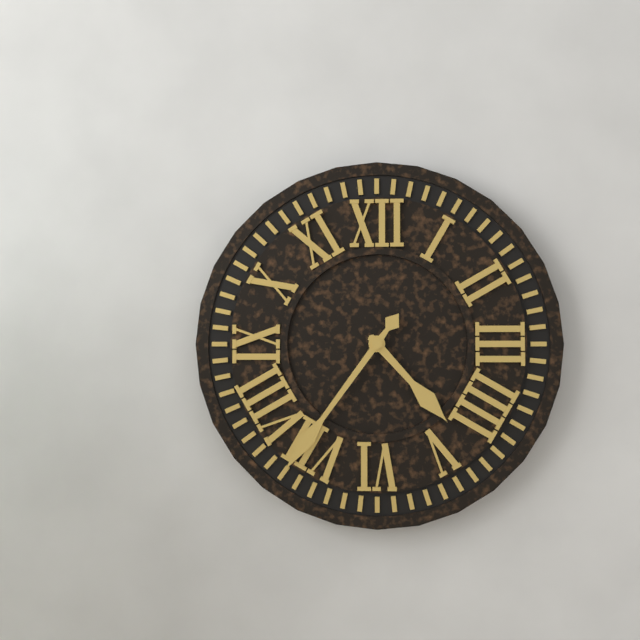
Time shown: {"hour": 4, "minute": 36}
